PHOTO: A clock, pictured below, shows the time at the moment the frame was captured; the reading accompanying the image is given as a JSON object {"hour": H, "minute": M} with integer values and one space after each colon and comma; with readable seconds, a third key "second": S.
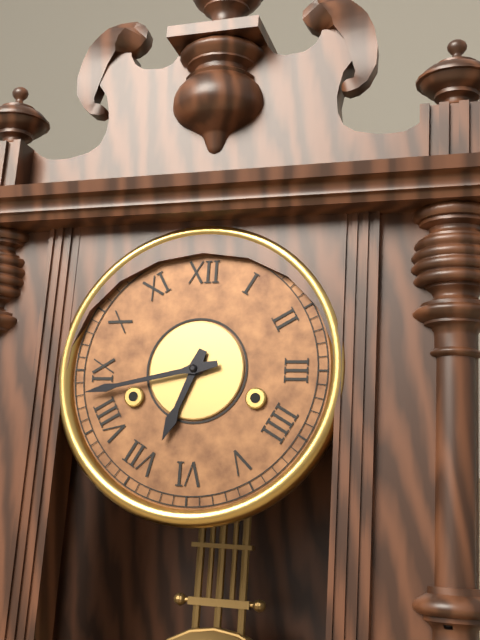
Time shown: {"hour": 6, "minute": 43}
